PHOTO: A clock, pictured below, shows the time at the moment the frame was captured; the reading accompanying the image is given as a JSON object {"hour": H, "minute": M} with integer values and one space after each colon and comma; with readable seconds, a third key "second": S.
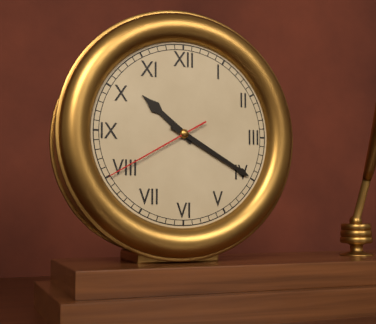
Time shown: {"hour": 10, "minute": 20, "second": 40}
